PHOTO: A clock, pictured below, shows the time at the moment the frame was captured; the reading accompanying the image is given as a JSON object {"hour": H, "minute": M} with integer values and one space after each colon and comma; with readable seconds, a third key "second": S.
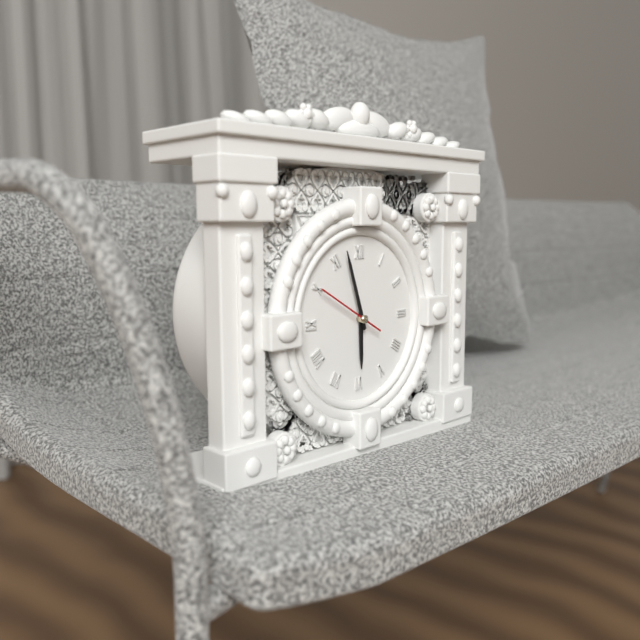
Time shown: {"hour": 5, "minute": 57, "second": 50}
